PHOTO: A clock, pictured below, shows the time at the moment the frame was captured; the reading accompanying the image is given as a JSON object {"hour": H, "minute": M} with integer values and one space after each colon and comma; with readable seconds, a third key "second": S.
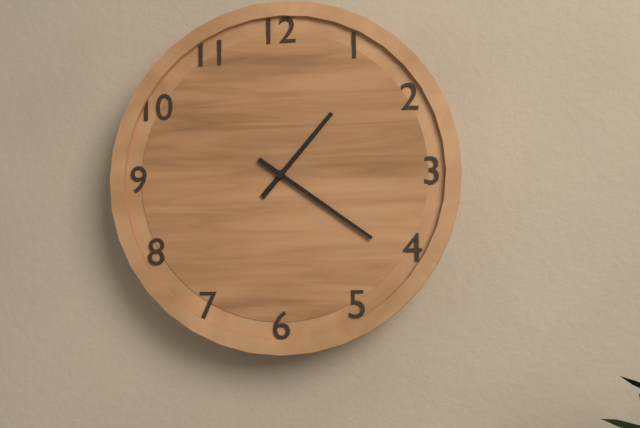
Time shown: {"hour": 1, "minute": 21}
